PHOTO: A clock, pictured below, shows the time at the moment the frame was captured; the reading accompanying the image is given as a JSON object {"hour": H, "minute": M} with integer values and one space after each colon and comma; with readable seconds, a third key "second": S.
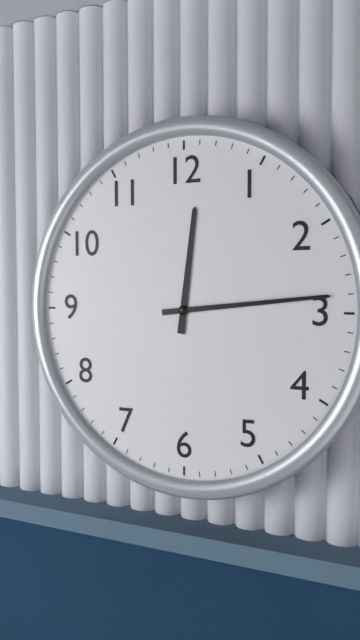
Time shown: {"hour": 12, "minute": 14}
